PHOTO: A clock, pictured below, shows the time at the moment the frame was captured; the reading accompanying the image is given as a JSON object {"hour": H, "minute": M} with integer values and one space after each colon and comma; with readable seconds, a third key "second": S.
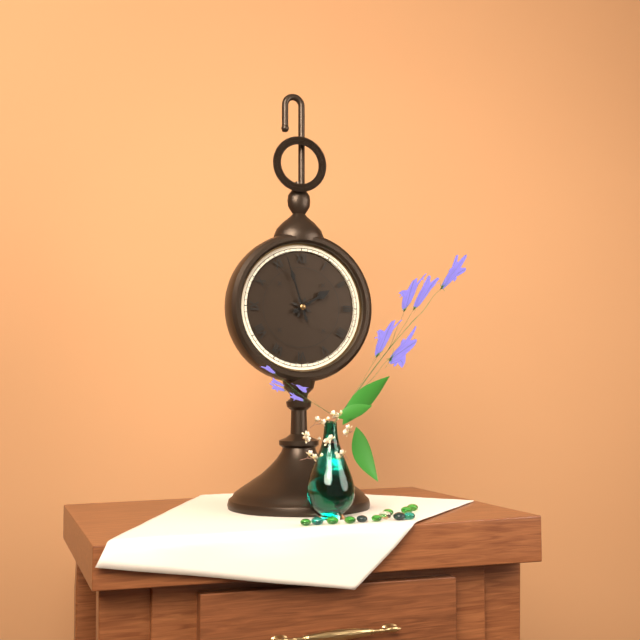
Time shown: {"hour": 1, "minute": 57}
